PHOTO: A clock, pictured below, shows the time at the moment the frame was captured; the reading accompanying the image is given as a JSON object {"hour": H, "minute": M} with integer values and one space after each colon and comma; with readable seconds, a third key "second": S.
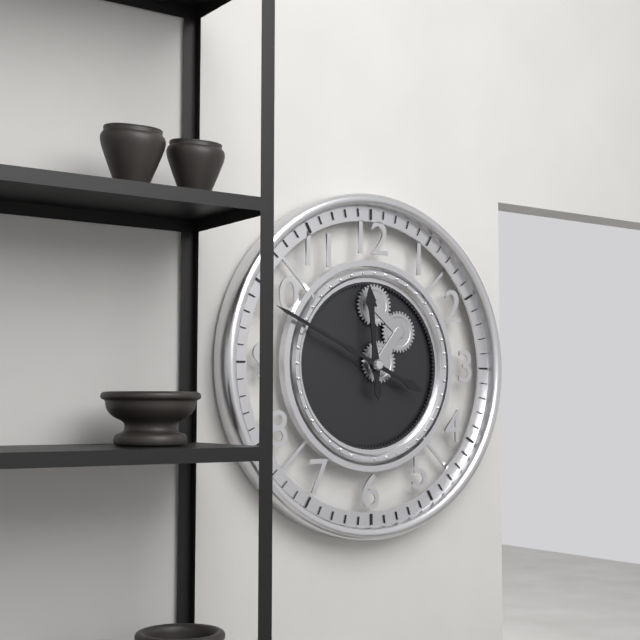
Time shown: {"hour": 11, "minute": 49}
